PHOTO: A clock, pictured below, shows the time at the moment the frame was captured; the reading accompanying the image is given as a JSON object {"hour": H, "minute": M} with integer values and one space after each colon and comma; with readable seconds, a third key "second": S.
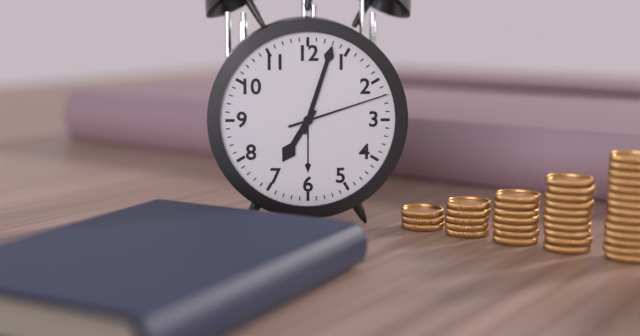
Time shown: {"hour": 7, "minute": 3, "second": 12}
